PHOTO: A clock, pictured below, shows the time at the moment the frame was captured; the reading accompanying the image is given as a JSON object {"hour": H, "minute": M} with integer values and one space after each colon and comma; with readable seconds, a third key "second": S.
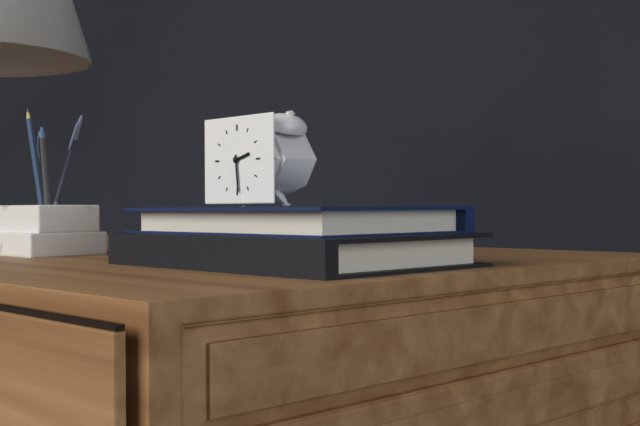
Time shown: {"hour": 2, "minute": 29}
